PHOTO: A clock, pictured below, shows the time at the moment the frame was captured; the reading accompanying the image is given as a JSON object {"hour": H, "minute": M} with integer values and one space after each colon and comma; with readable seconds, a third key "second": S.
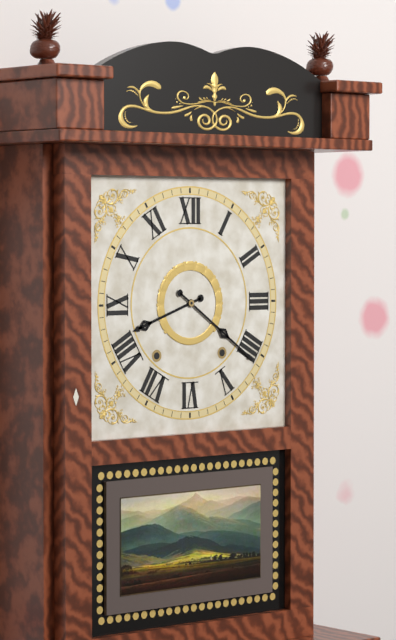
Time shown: {"hour": 8, "minute": 21}
